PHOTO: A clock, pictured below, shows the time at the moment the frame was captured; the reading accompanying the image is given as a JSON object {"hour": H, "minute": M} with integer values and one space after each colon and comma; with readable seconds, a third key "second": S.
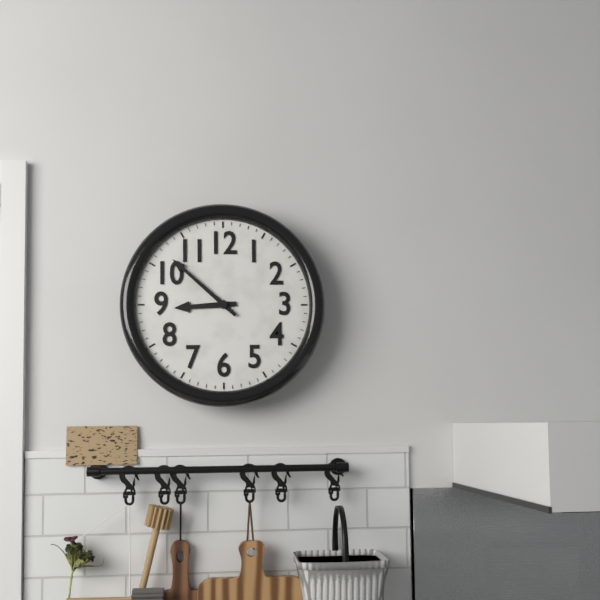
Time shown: {"hour": 8, "minute": 52}
